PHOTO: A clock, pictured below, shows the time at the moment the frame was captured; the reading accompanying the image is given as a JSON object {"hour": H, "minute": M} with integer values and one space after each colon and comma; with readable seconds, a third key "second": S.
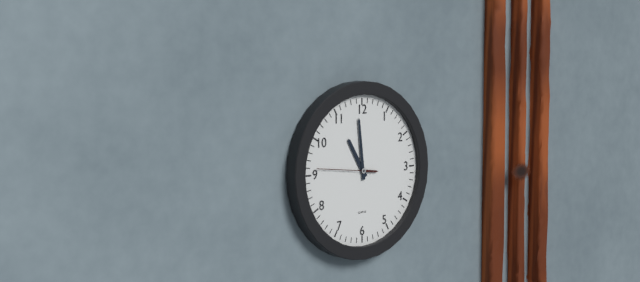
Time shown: {"hour": 10, "minute": 59, "second": 46}
